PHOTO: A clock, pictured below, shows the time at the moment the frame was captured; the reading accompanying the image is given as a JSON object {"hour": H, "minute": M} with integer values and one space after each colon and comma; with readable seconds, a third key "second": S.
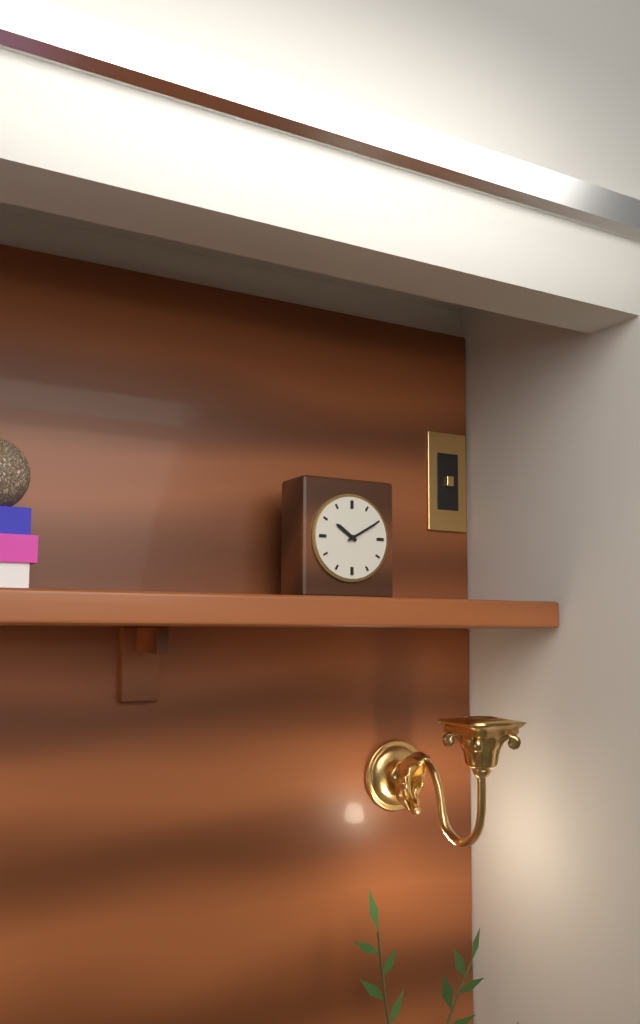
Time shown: {"hour": 10, "minute": 10}
